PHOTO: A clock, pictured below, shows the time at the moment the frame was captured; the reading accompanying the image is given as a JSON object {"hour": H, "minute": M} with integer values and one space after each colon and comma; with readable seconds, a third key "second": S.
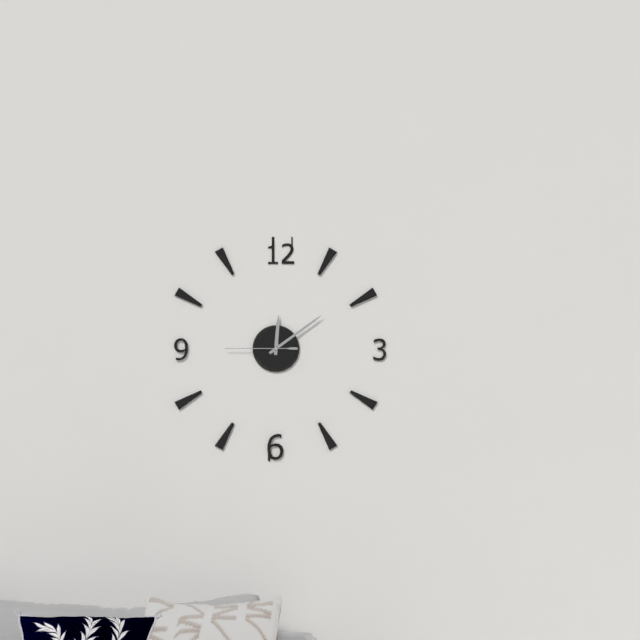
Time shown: {"hour": 12, "minute": 9, "second": 45}
